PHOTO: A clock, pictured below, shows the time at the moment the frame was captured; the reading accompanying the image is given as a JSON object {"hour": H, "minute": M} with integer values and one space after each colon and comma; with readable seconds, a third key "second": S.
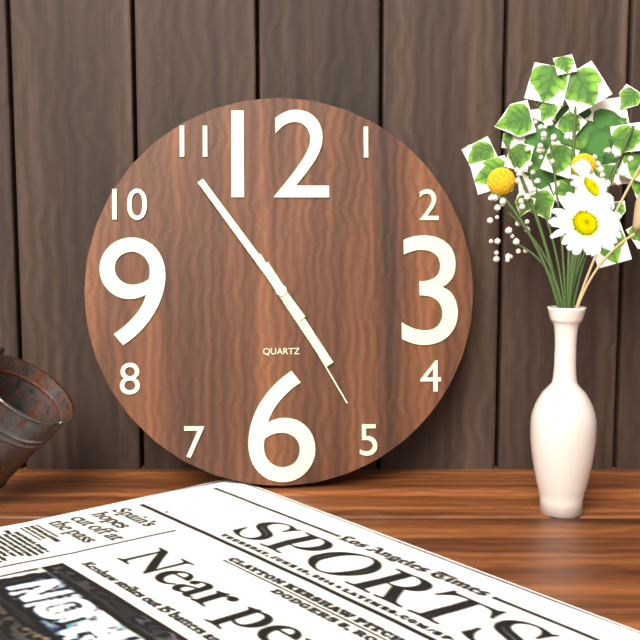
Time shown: {"hour": 4, "minute": 54, "second": 25}
